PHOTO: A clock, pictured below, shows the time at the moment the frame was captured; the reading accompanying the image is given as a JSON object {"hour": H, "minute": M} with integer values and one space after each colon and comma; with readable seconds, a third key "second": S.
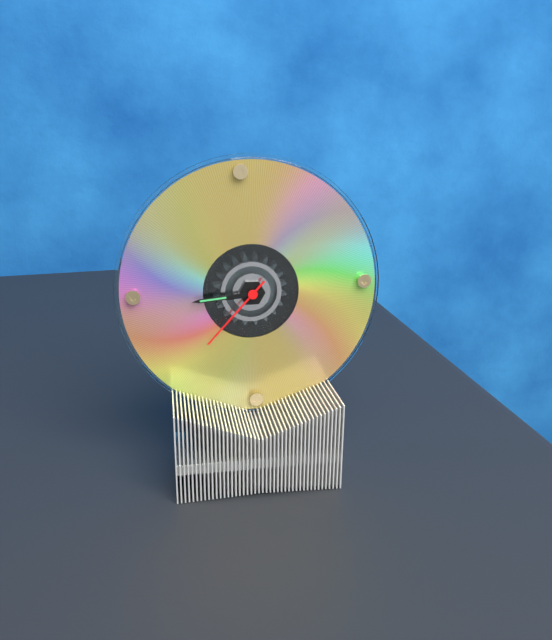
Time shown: {"hour": 8, "minute": 44, "second": 37}
